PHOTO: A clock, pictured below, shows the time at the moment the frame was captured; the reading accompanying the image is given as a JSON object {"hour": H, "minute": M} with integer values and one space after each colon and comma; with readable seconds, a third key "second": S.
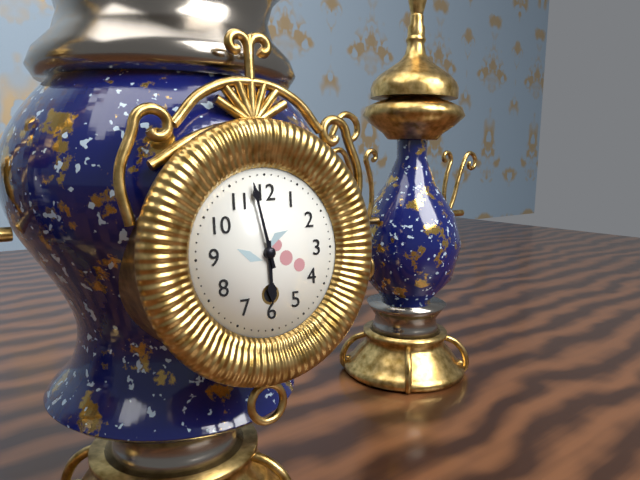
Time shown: {"hour": 5, "minute": 58}
